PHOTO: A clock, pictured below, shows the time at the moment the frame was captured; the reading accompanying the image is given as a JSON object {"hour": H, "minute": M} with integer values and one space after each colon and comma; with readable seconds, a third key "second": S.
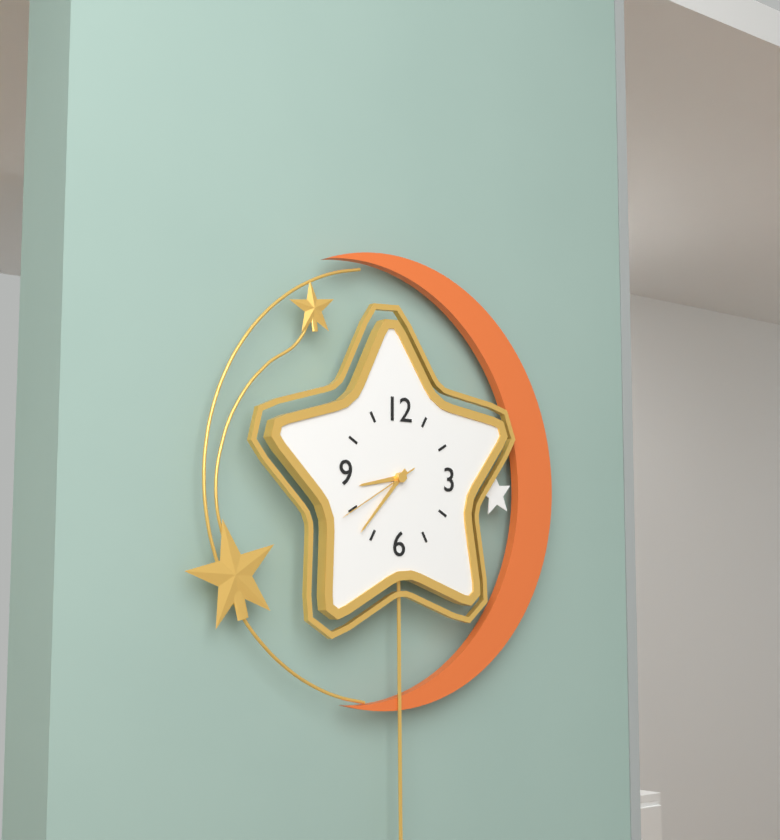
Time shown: {"hour": 8, "minute": 37, "second": 40}
